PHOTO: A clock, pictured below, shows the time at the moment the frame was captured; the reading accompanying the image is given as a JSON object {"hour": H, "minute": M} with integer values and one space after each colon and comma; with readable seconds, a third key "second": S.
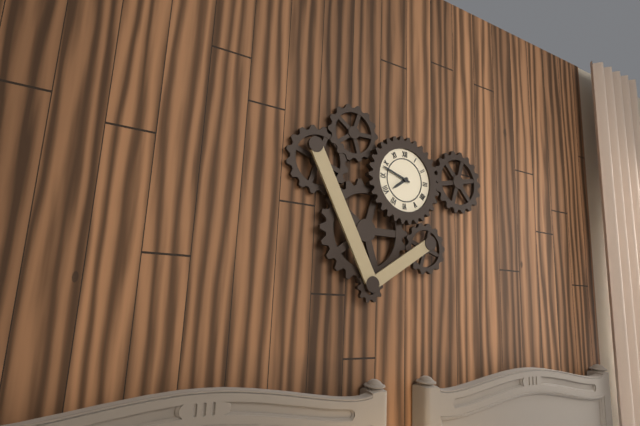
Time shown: {"hour": 7, "minute": 48}
